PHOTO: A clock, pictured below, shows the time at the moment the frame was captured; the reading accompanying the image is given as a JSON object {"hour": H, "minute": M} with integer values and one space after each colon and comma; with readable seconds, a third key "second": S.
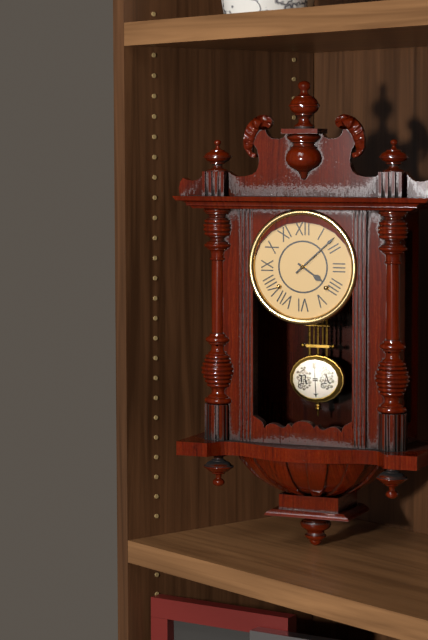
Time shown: {"hour": 4, "minute": 8}
